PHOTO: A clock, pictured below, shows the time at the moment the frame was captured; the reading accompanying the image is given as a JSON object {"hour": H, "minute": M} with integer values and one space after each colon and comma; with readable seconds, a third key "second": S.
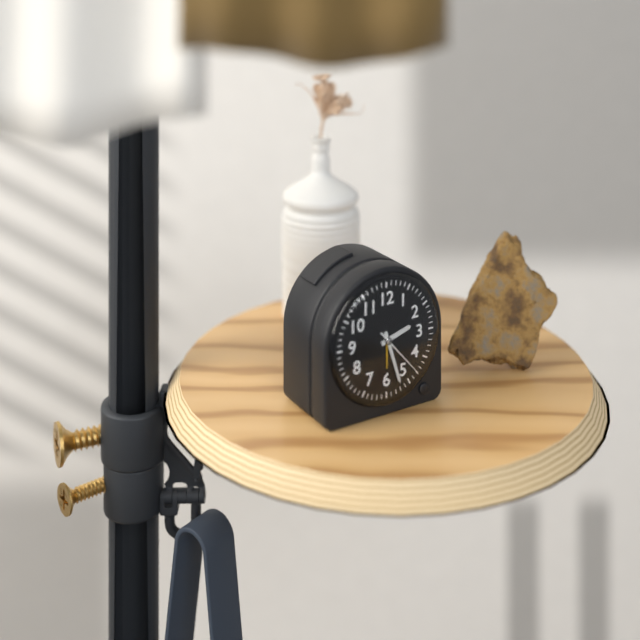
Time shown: {"hour": 2, "minute": 27, "second": 23}
